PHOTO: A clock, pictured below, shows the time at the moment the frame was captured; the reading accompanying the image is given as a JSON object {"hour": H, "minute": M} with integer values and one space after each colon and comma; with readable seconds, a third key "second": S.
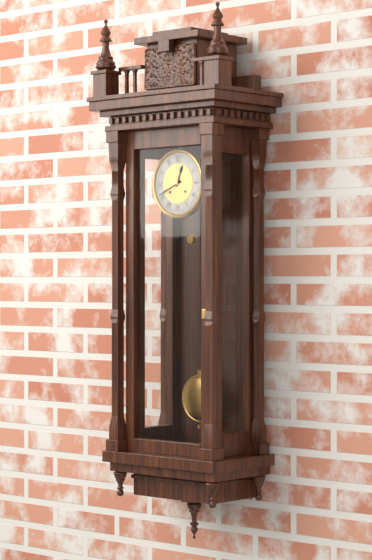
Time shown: {"hour": 12, "minute": 41}
